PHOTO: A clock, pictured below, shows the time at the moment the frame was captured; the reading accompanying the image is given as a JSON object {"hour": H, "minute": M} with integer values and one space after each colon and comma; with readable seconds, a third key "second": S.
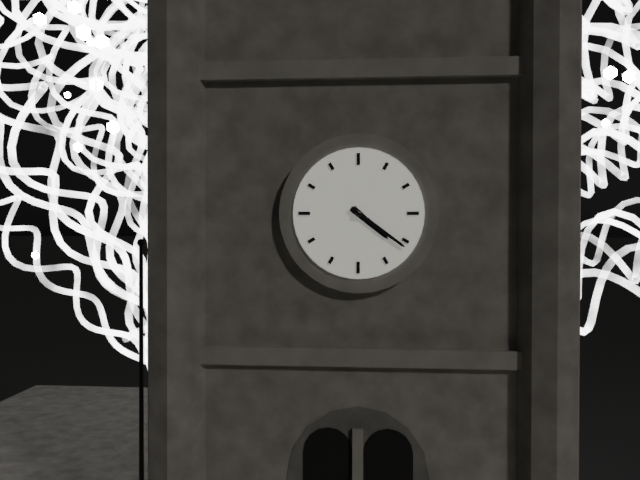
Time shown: {"hour": 4, "minute": 21}
